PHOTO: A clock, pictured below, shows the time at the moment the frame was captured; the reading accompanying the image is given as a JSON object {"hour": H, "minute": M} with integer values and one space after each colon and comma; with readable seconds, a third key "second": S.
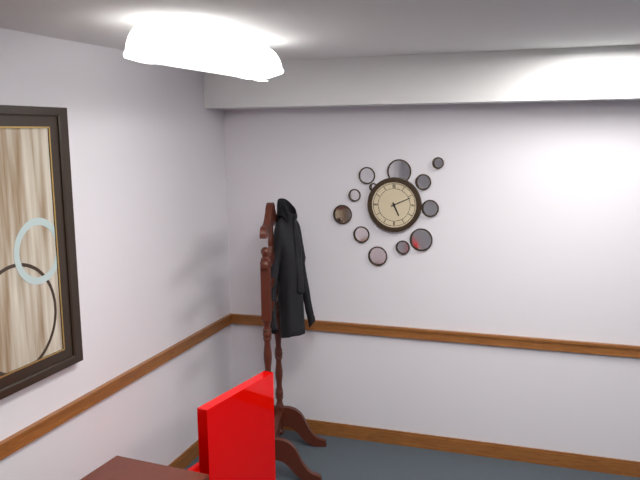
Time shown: {"hour": 5, "minute": 11}
